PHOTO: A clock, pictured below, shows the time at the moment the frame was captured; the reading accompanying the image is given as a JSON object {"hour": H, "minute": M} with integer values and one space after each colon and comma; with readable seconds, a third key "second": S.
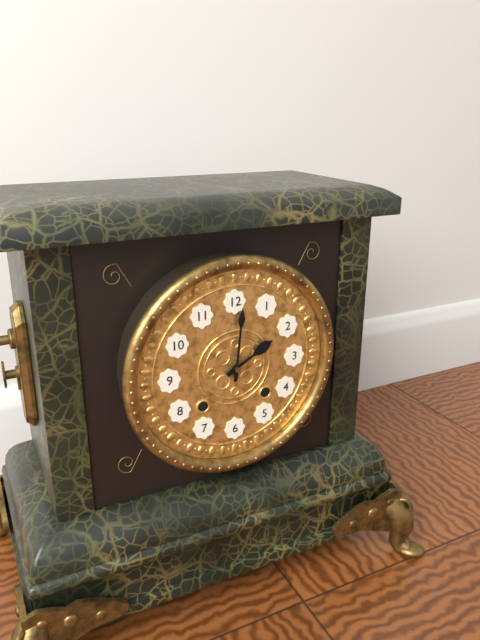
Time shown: {"hour": 2, "minute": 1}
